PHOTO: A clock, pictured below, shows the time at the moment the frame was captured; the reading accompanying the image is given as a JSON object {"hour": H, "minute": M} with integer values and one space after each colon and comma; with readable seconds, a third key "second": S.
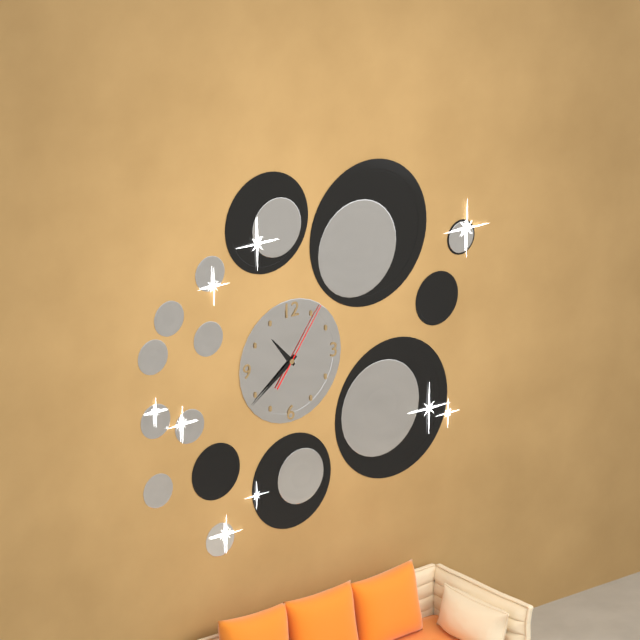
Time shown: {"hour": 10, "minute": 39, "second": 6}
